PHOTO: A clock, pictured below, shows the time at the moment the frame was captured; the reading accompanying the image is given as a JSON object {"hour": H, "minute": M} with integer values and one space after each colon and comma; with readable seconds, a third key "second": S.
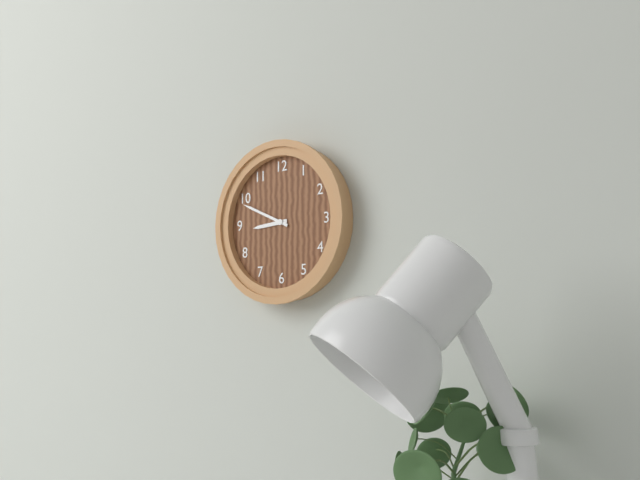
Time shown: {"hour": 8, "minute": 49}
